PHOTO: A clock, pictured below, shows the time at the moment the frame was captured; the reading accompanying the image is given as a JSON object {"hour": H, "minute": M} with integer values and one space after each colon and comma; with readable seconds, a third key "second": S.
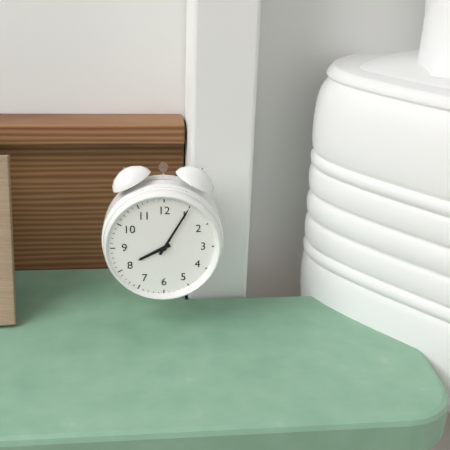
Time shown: {"hour": 8, "minute": 5}
